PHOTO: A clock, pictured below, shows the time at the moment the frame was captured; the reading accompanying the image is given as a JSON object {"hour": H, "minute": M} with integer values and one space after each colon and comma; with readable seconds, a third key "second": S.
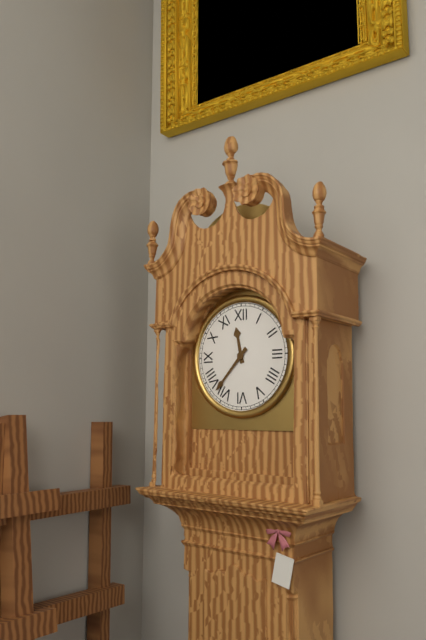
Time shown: {"hour": 11, "minute": 37}
